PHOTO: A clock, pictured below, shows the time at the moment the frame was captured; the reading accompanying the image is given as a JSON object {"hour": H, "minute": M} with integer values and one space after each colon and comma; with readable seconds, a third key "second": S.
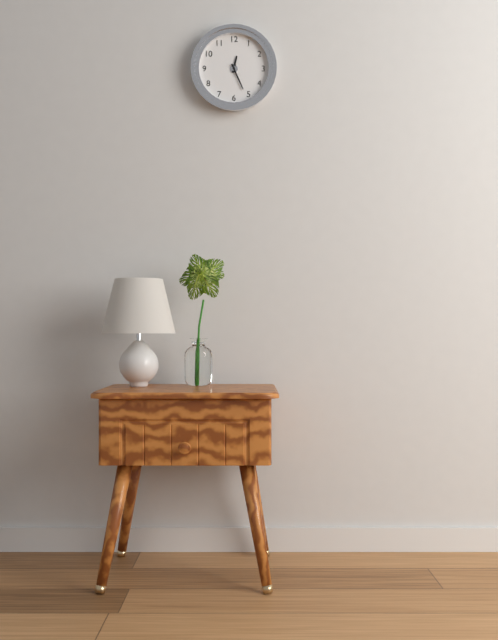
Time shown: {"hour": 12, "minute": 26}
